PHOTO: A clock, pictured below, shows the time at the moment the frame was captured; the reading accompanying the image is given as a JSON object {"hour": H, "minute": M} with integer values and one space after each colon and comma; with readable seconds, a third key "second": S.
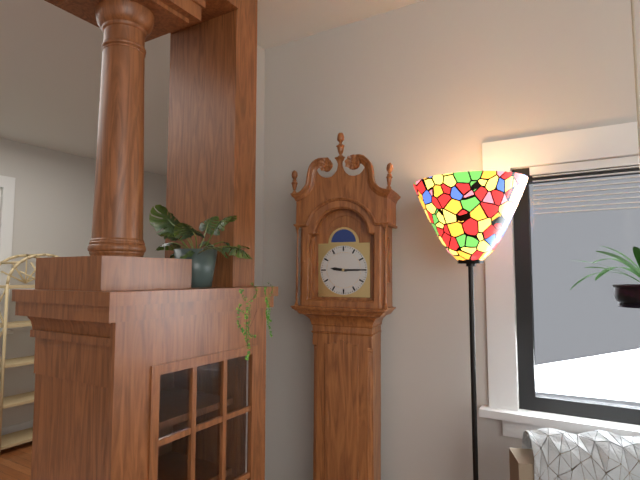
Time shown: {"hour": 9, "minute": 15}
